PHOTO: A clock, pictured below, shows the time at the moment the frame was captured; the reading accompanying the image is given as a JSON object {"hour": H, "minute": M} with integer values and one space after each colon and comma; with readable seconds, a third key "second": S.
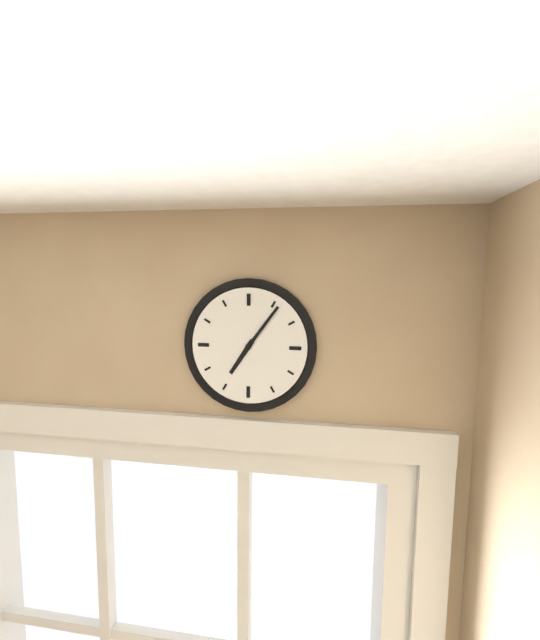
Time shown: {"hour": 7, "minute": 6}
